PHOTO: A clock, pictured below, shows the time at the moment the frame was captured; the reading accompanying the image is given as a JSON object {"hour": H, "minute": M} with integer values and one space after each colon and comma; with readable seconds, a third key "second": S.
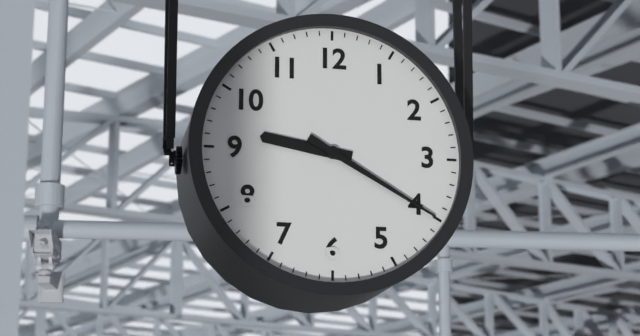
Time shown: {"hour": 9, "minute": 20}
